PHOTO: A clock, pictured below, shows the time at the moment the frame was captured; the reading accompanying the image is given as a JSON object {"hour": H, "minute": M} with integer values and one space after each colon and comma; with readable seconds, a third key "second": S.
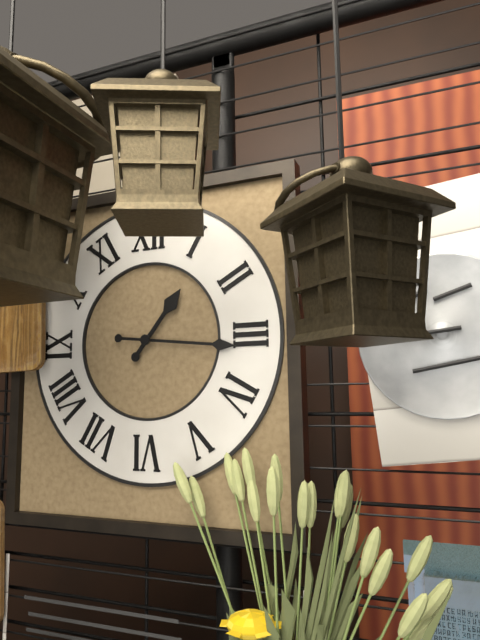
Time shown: {"hour": 1, "minute": 16}
